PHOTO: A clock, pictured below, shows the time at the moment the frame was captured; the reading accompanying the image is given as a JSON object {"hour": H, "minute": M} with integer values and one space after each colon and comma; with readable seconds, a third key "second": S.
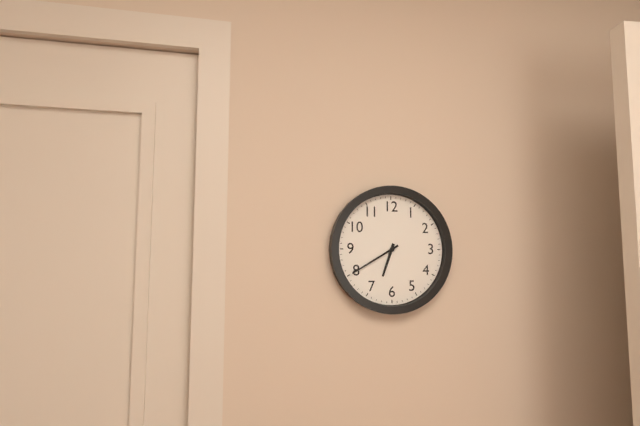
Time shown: {"hour": 6, "minute": 40}
